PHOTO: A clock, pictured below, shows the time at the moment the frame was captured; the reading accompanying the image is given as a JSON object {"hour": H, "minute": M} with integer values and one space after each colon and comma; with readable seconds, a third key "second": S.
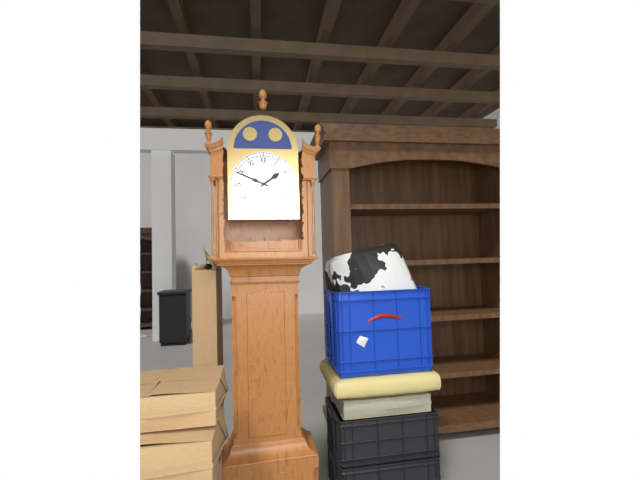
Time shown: {"hour": 1, "minute": 49}
